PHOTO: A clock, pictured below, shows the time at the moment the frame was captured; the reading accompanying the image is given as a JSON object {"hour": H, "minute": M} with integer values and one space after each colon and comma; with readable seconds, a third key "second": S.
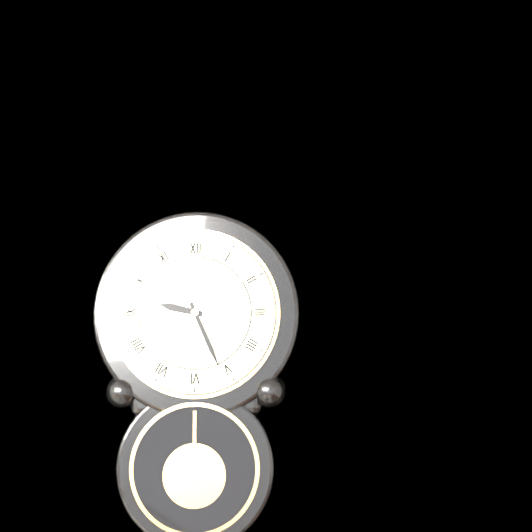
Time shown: {"hour": 9, "minute": 26}
